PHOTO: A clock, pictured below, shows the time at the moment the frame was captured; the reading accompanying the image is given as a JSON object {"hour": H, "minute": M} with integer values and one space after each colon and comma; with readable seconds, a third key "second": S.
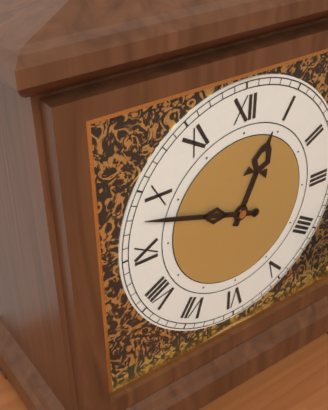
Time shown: {"hour": 12, "minute": 48}
